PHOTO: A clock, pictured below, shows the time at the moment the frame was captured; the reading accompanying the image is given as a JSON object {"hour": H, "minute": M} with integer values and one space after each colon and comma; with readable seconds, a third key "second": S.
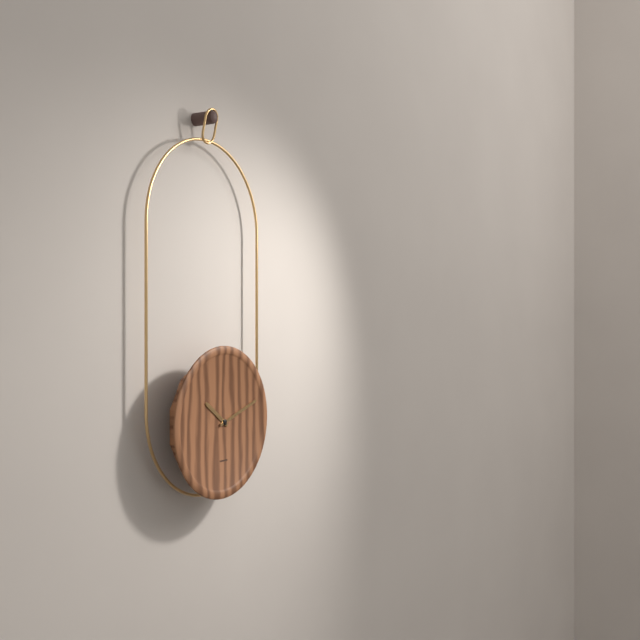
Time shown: {"hour": 10, "minute": 12}
